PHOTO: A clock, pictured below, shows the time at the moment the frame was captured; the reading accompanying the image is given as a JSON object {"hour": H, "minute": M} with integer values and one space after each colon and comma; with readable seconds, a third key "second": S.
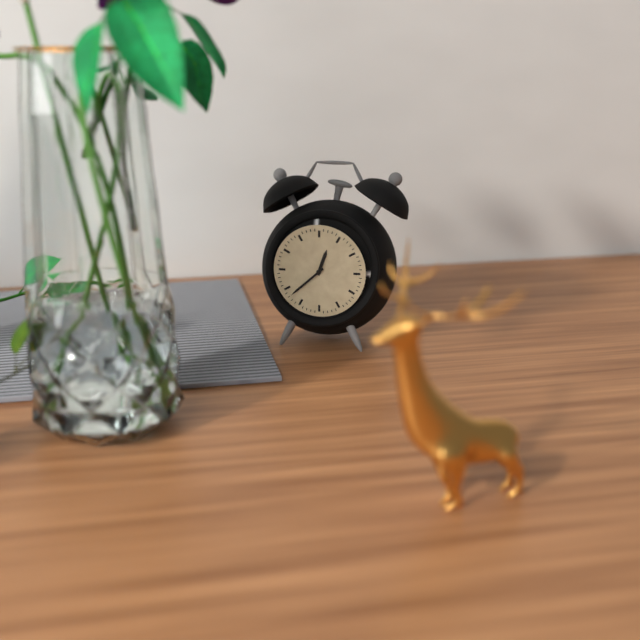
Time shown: {"hour": 12, "minute": 38}
